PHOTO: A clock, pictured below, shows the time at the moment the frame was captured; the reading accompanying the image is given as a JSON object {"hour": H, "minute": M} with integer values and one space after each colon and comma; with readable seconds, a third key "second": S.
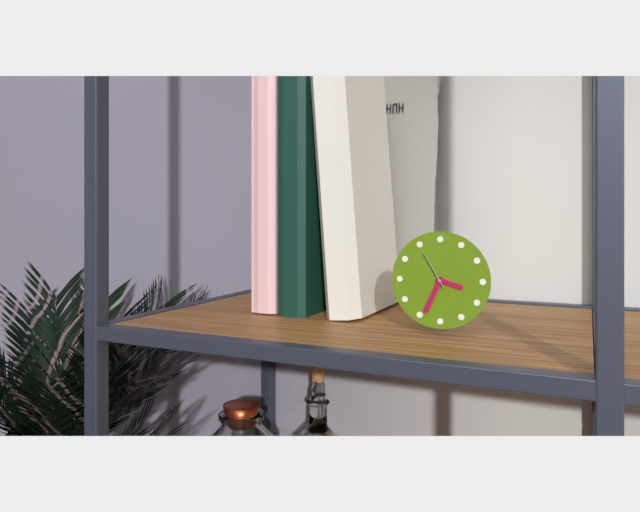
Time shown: {"hour": 3, "minute": 34}
